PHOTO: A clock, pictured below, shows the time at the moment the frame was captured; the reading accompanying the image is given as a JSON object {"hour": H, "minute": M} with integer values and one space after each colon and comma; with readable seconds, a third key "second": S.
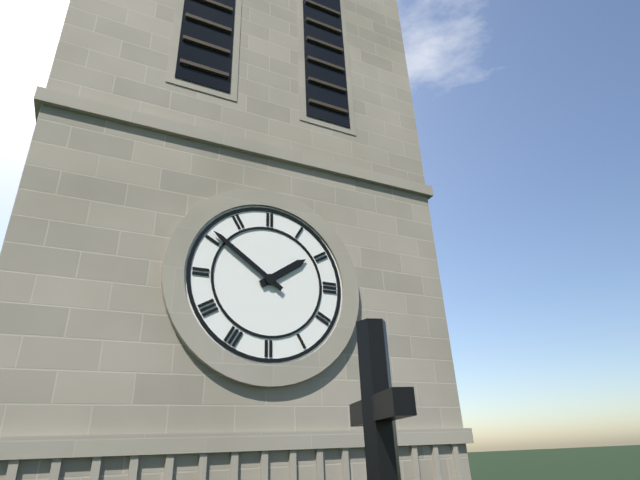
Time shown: {"hour": 1, "minute": 51}
